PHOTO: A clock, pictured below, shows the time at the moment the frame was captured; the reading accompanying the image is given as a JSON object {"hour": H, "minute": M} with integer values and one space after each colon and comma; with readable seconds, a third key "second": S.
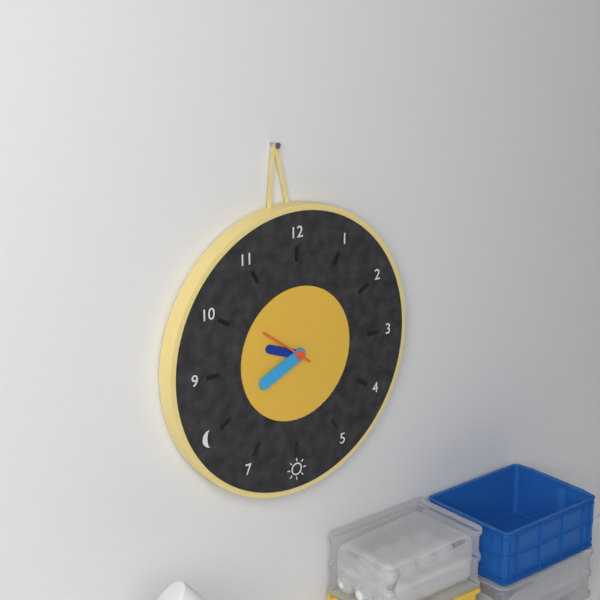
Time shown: {"hour": 9, "minute": 41, "second": 51}
